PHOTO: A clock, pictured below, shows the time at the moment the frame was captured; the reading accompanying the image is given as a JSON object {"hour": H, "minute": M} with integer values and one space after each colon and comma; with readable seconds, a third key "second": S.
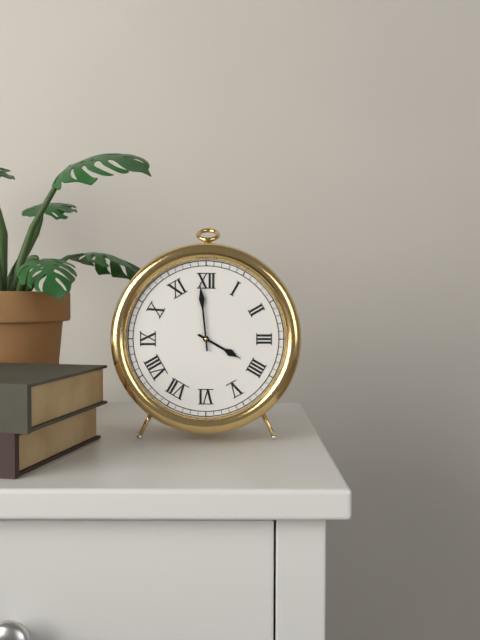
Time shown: {"hour": 3, "minute": 59}
